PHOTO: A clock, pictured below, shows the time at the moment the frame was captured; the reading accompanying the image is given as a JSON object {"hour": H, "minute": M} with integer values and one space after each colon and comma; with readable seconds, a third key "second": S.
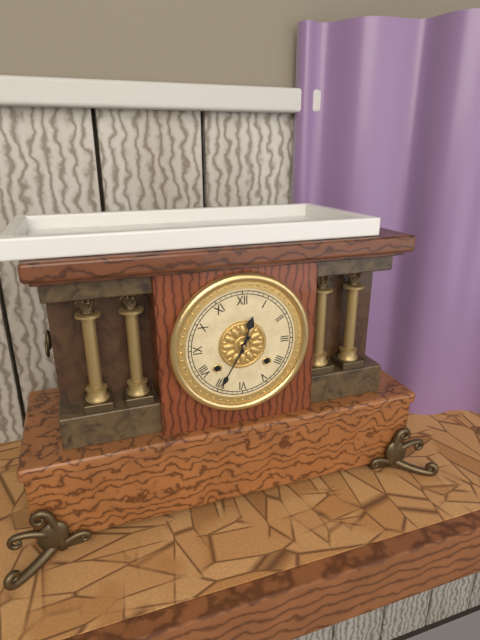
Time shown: {"hour": 12, "minute": 35}
